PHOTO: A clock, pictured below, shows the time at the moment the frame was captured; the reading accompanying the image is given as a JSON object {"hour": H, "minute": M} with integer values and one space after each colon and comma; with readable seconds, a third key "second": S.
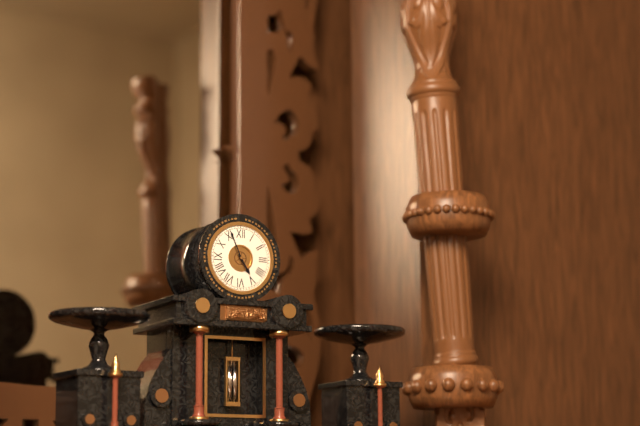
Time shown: {"hour": 4, "minute": 56}
